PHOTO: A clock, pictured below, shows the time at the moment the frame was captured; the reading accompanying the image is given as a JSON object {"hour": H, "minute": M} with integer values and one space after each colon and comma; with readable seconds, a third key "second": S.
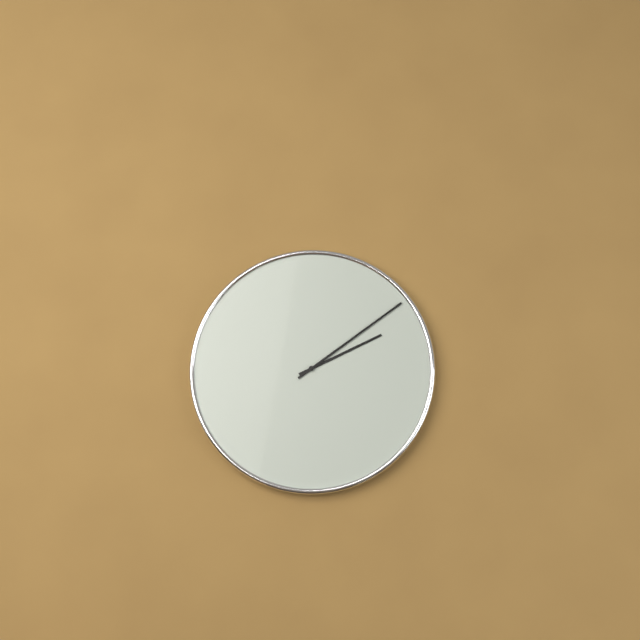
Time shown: {"hour": 2, "minute": 9}
